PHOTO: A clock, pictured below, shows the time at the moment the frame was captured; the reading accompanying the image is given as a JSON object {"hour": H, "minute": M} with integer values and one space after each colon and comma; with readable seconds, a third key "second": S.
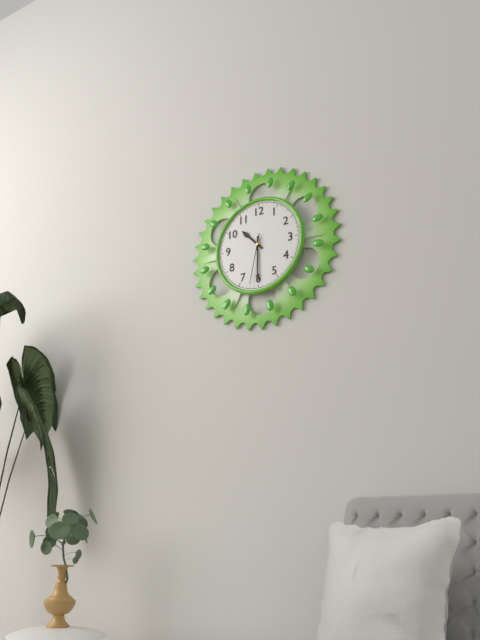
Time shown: {"hour": 10, "minute": 30, "second": 32}
